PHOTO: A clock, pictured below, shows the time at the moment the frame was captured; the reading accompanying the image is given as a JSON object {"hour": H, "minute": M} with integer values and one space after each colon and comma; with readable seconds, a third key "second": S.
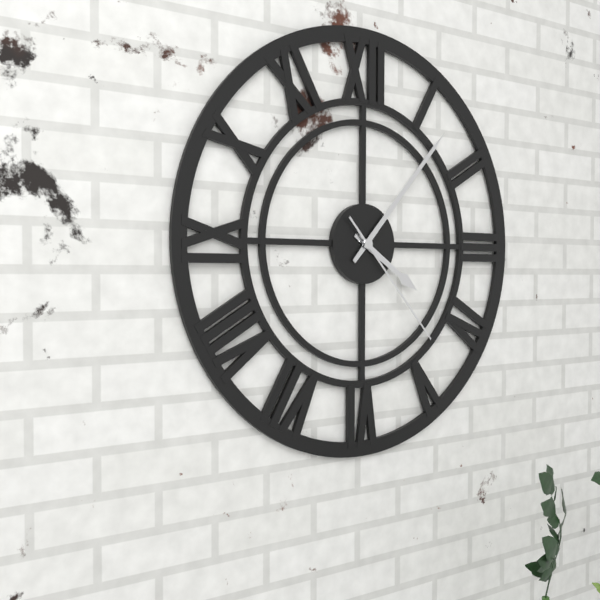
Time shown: {"hour": 4, "minute": 7, "second": 23}
